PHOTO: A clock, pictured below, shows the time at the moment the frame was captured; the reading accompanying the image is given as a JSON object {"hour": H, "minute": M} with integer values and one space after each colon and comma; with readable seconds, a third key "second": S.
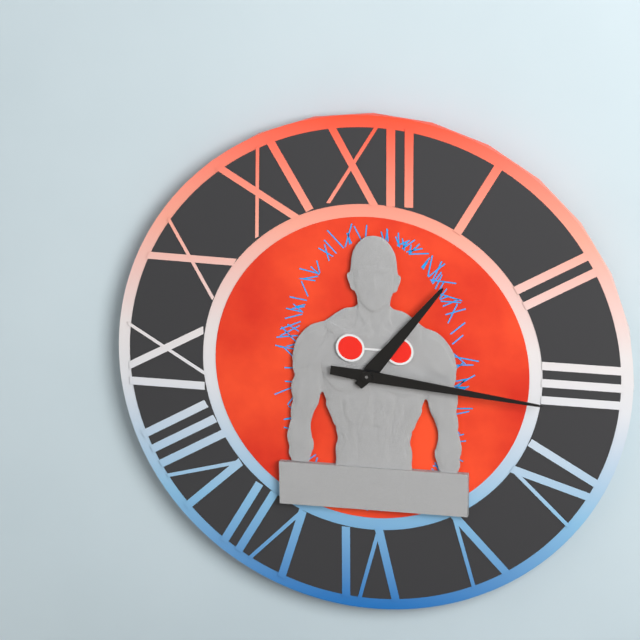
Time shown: {"hour": 1, "minute": 16}
